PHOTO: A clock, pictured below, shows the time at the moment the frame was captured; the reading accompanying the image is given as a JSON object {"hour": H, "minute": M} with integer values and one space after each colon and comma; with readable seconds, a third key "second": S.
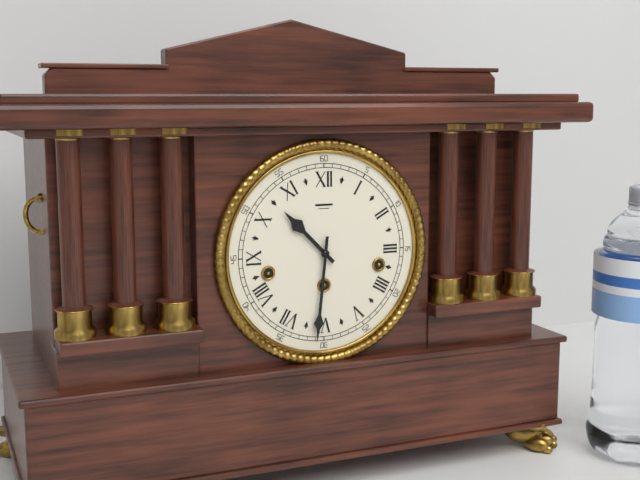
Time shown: {"hour": 10, "minute": 31}
